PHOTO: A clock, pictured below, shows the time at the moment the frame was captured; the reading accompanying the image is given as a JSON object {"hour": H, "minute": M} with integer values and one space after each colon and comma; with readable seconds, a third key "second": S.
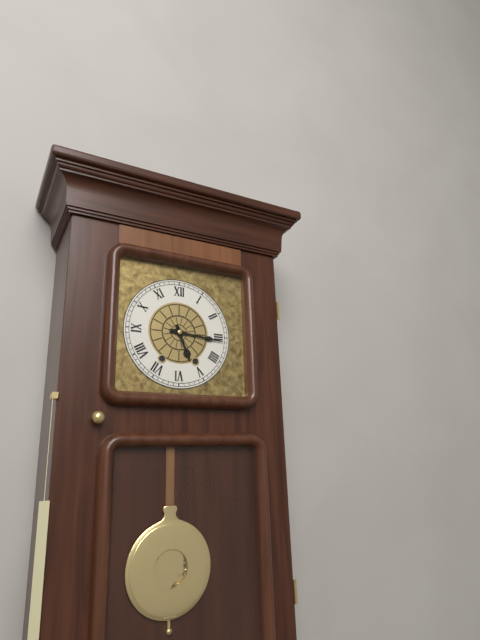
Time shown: {"hour": 5, "minute": 16}
